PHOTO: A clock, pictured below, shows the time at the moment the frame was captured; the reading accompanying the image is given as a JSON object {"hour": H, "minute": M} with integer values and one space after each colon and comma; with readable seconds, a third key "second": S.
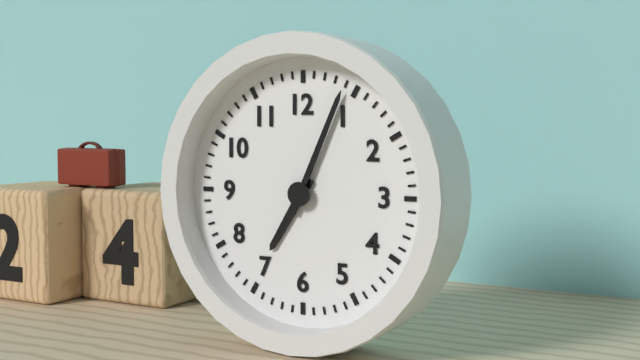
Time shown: {"hour": 7, "minute": 4}
